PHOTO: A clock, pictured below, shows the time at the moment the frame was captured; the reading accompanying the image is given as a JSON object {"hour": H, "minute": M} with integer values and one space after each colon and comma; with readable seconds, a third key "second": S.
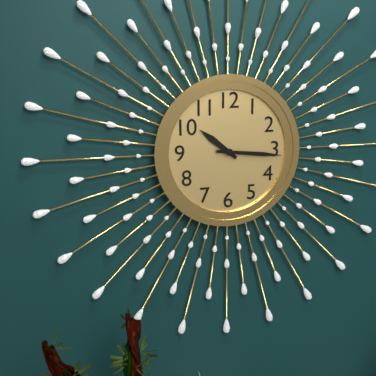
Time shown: {"hour": 10, "minute": 16}
